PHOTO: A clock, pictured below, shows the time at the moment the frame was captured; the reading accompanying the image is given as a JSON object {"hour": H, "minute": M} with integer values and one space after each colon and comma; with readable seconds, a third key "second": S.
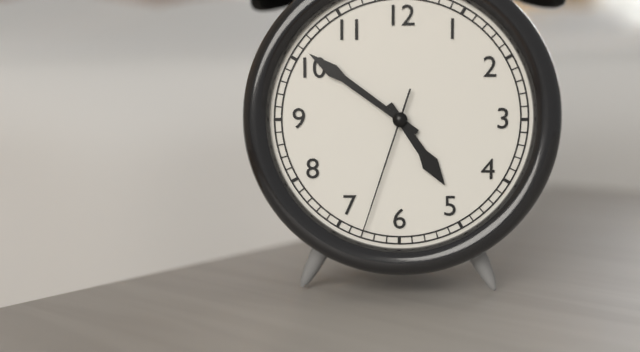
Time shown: {"hour": 4, "minute": 51, "second": 33}
